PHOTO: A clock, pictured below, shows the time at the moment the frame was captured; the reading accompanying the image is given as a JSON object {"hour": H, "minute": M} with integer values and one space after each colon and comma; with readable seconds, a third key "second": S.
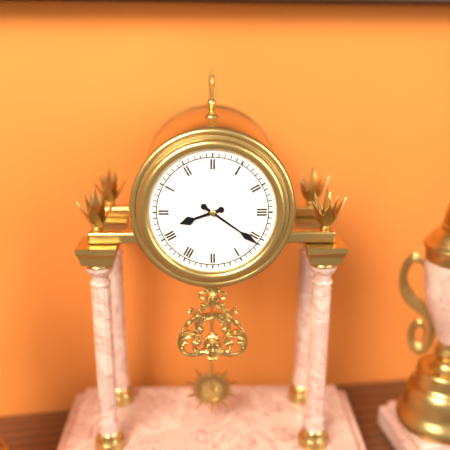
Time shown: {"hour": 8, "minute": 21}
